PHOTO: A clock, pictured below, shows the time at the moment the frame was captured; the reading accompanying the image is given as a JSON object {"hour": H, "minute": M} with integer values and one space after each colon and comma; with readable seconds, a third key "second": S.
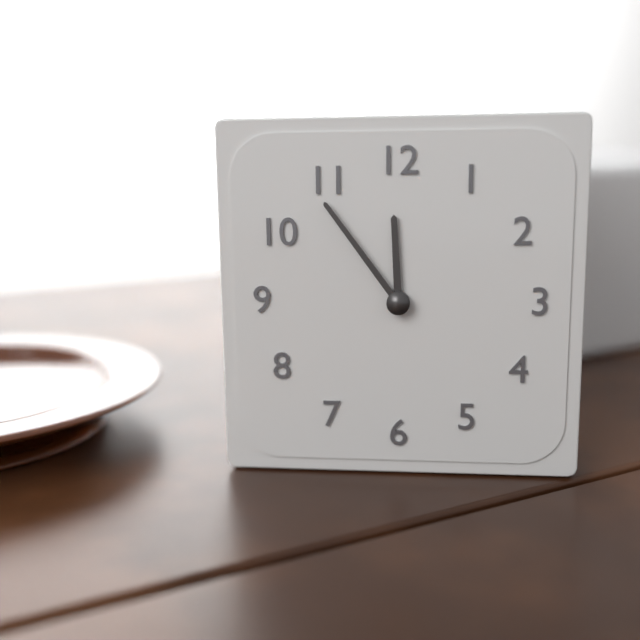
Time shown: {"hour": 11, "minute": 54}
